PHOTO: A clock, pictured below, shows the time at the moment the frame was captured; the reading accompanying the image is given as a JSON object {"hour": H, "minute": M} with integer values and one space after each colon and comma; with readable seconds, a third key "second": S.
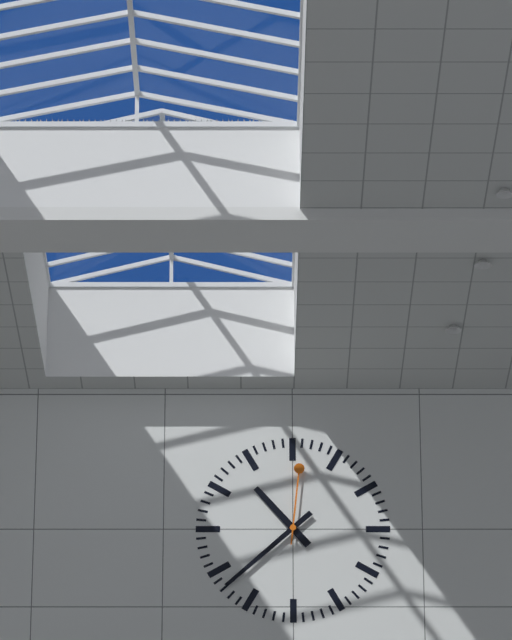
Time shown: {"hour": 10, "minute": 38, "second": 1}
